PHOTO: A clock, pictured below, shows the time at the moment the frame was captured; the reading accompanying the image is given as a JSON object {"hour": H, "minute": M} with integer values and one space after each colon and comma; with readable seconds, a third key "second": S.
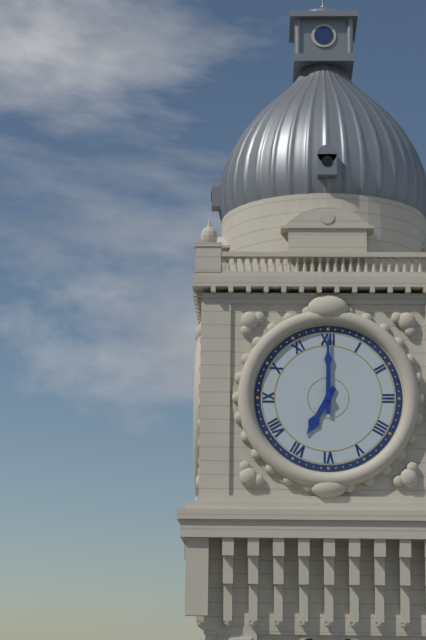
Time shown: {"hour": 7, "minute": 0}
